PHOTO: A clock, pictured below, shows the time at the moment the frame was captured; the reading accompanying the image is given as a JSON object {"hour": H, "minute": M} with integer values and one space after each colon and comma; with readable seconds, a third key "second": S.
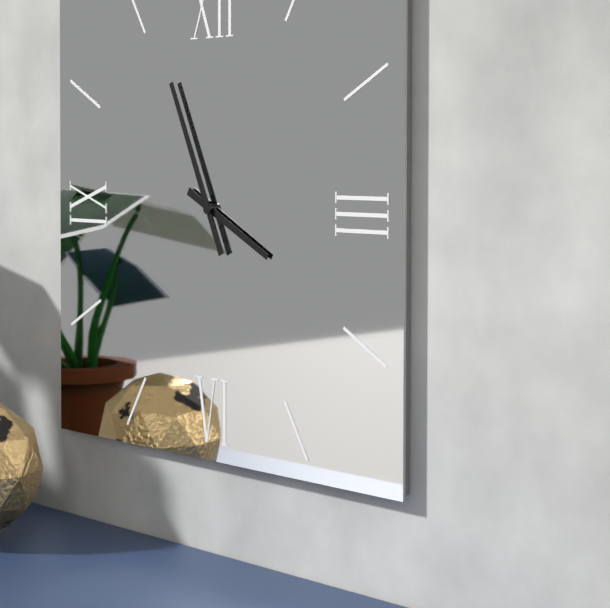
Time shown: {"hour": 3, "minute": 56}
